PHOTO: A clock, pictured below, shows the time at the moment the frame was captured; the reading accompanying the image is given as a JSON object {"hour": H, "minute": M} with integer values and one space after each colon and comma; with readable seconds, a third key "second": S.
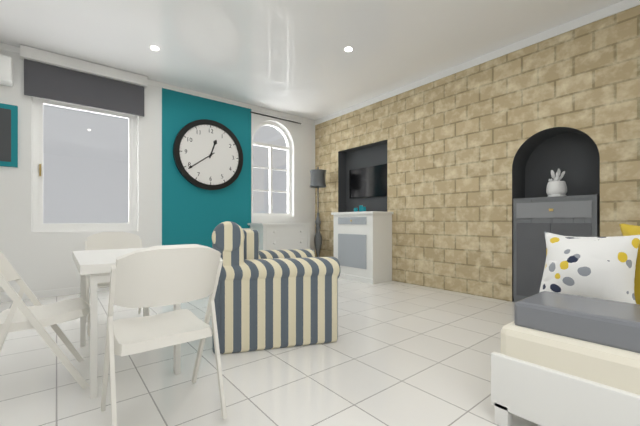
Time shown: {"hour": 12, "minute": 39}
